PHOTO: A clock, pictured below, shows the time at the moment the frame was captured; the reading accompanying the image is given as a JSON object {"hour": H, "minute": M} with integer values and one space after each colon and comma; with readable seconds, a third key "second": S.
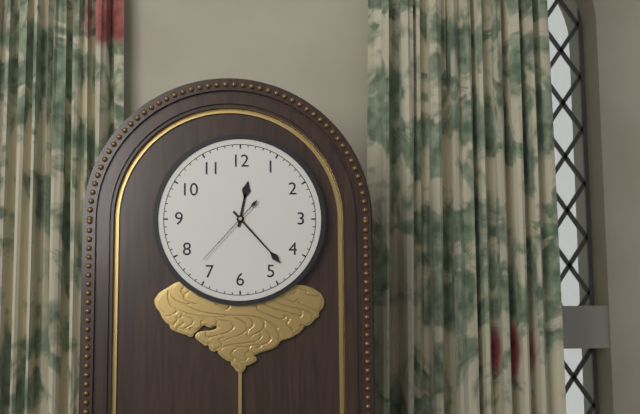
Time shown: {"hour": 12, "minute": 23, "second": 37}
